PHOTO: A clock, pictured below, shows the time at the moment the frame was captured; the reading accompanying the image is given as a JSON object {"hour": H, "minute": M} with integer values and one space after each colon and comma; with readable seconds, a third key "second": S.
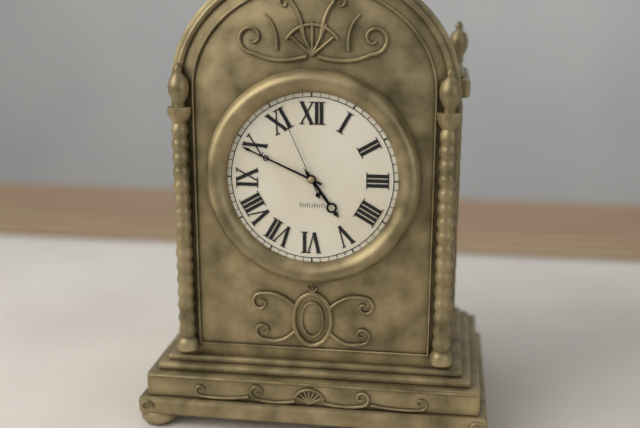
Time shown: {"hour": 4, "minute": 49, "second": 56}
